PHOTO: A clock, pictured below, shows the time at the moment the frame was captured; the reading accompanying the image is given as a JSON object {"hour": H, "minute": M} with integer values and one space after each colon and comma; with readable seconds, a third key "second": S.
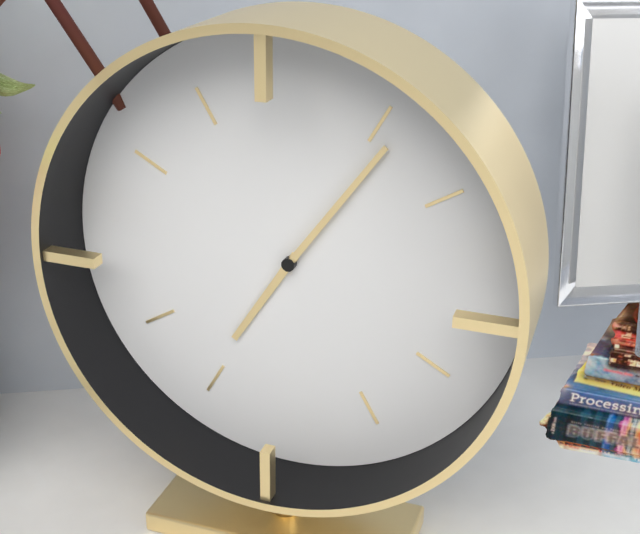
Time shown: {"hour": 7, "minute": 6}
